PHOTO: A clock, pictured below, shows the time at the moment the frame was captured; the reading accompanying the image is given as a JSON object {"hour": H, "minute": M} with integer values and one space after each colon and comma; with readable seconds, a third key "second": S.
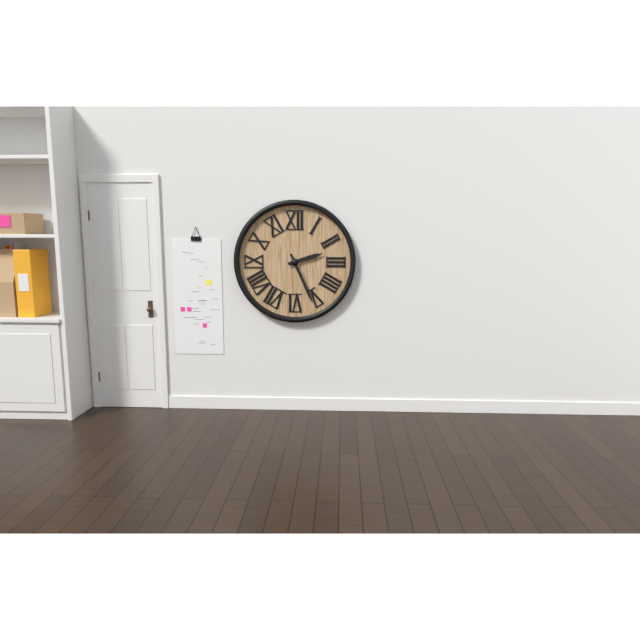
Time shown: {"hour": 2, "minute": 26}
